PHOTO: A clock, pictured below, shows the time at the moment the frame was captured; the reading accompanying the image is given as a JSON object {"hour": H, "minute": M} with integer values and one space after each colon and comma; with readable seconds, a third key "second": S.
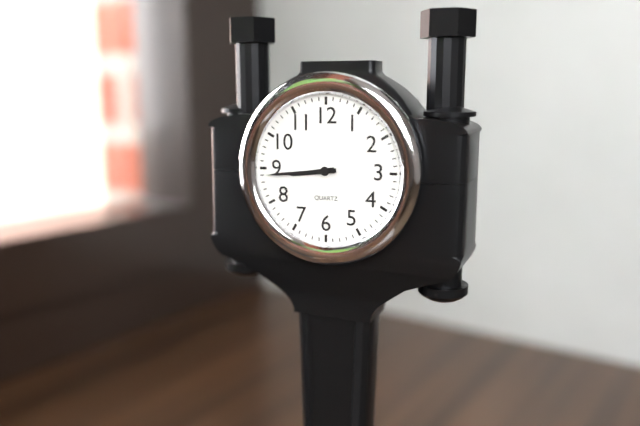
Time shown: {"hour": 8, "minute": 44}
